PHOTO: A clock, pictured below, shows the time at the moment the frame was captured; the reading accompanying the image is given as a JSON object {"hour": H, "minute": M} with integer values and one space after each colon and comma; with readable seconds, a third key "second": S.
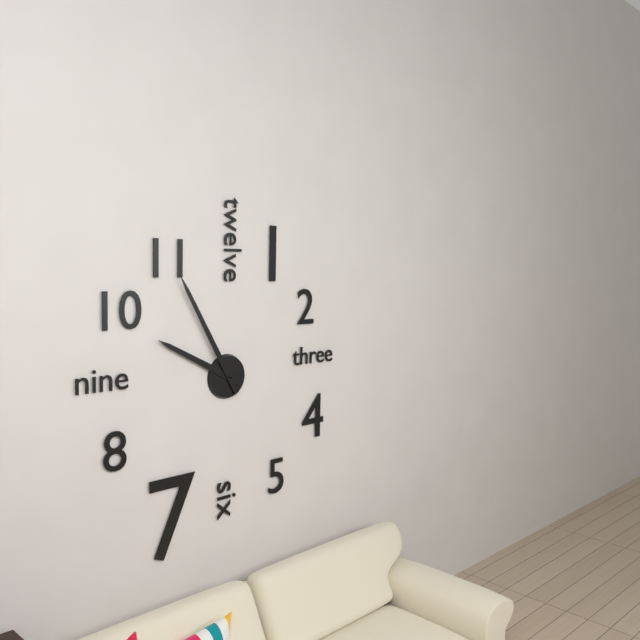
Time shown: {"hour": 9, "minute": 55}
